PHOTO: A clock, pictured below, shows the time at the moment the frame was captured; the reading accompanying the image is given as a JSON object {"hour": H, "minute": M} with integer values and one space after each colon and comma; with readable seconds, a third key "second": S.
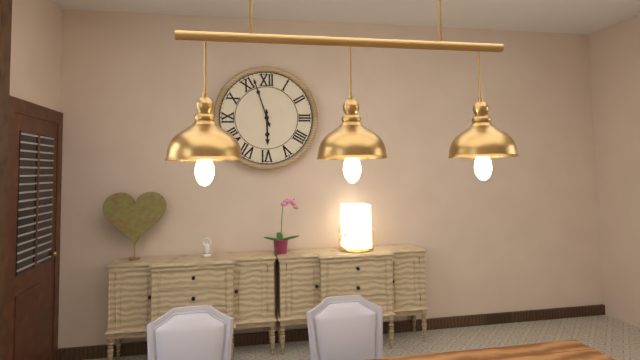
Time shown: {"hour": 5, "minute": 57}
